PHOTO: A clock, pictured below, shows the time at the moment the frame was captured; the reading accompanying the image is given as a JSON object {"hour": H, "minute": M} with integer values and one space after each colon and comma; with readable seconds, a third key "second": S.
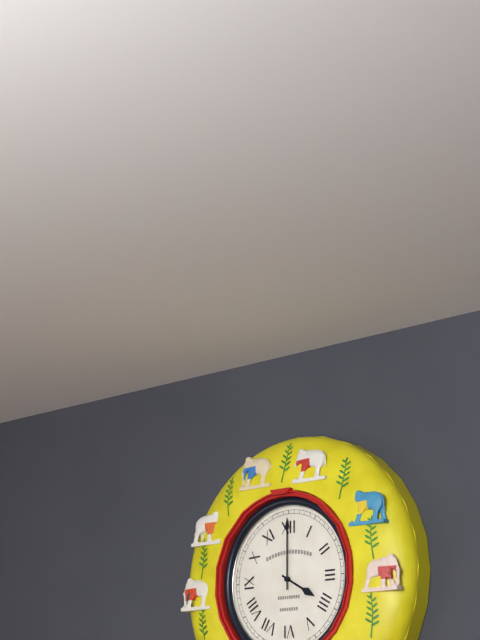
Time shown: {"hour": 4, "minute": 0}
